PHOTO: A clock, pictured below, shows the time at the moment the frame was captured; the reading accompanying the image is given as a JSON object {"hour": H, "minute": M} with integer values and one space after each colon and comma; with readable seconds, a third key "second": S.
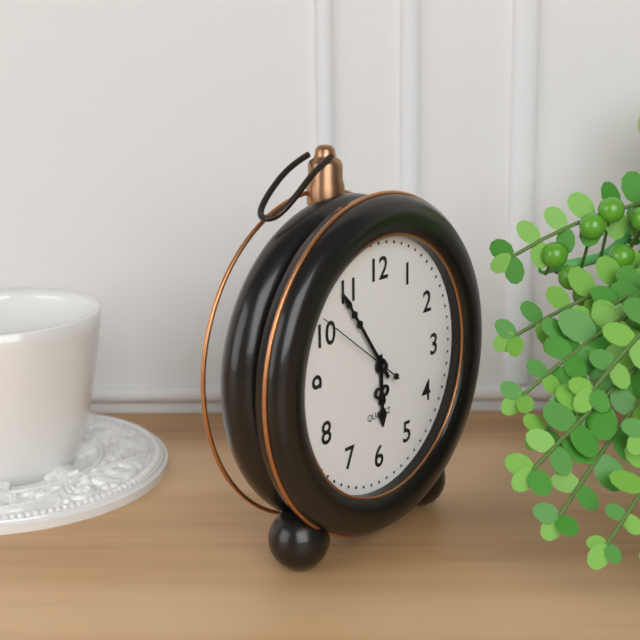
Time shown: {"hour": 5, "minute": 54, "second": 51}
